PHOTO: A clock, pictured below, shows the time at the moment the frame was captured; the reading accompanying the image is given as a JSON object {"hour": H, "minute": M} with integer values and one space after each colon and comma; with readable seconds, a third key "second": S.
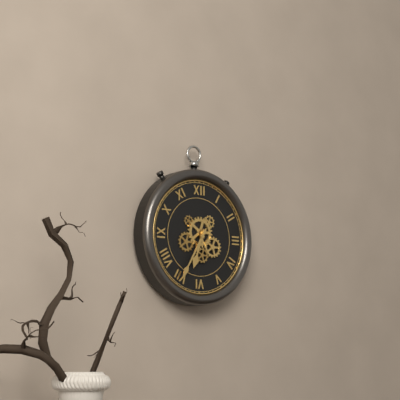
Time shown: {"hour": 6, "minute": 35}
